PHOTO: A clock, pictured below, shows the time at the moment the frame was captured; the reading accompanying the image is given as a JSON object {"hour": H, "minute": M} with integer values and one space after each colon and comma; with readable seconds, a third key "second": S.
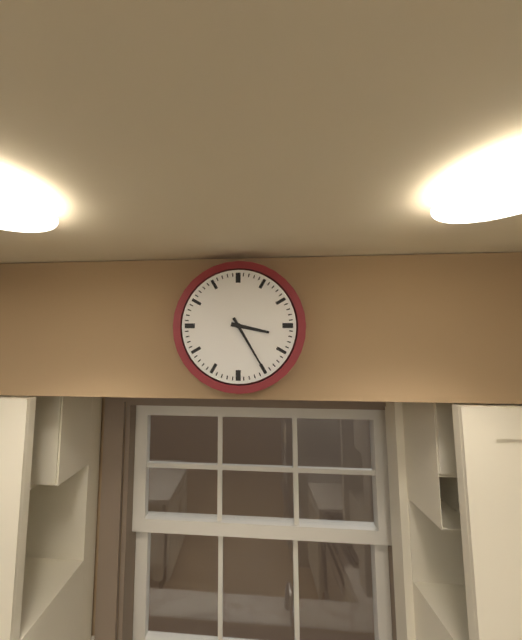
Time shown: {"hour": 3, "minute": 25}
